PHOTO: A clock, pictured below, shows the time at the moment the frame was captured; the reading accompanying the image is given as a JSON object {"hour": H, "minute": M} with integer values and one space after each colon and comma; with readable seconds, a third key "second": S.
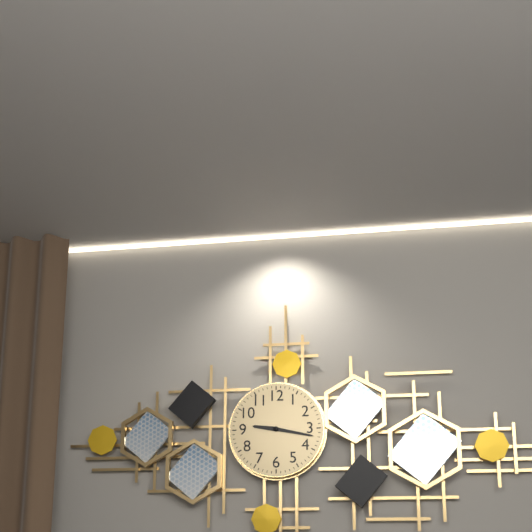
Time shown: {"hour": 9, "minute": 17}
